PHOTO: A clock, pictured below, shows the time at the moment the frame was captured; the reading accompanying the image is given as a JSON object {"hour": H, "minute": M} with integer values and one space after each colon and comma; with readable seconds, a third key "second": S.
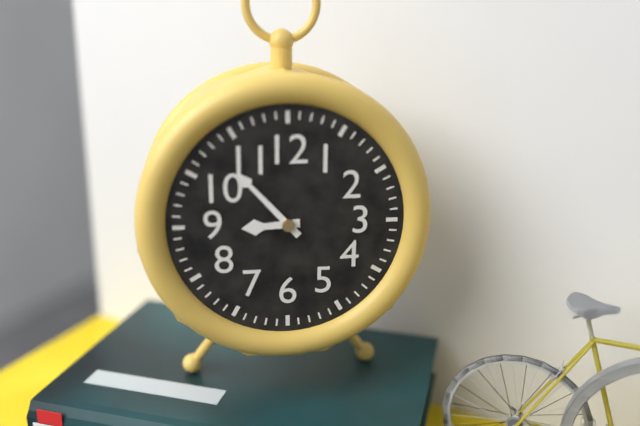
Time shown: {"hour": 8, "minute": 53}
